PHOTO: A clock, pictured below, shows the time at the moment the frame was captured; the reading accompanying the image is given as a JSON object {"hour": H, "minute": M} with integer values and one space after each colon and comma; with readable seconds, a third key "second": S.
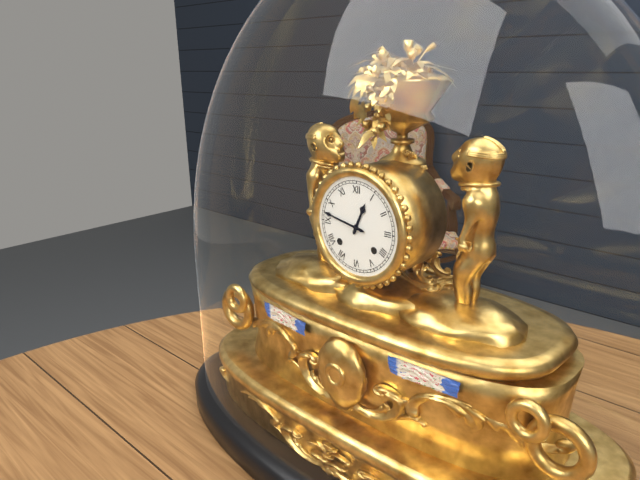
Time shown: {"hour": 12, "minute": 47}
